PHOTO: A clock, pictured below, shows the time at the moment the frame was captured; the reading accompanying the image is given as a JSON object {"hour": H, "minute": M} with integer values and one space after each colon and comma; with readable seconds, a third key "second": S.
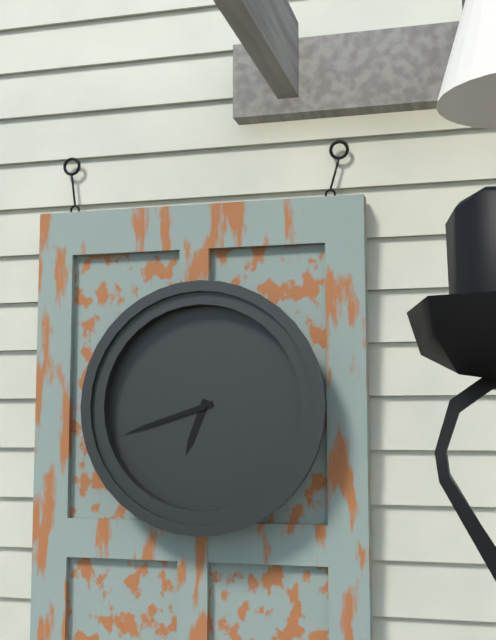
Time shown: {"hour": 6, "minute": 42}
